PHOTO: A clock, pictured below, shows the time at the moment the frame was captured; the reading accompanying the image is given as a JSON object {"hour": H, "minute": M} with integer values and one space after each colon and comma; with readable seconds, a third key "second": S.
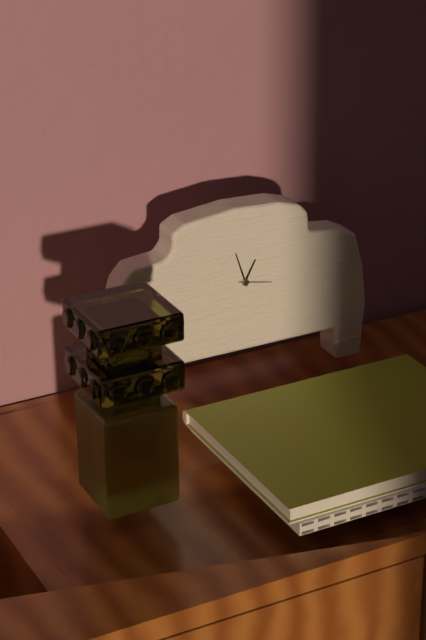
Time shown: {"hour": 12, "minute": 57}
